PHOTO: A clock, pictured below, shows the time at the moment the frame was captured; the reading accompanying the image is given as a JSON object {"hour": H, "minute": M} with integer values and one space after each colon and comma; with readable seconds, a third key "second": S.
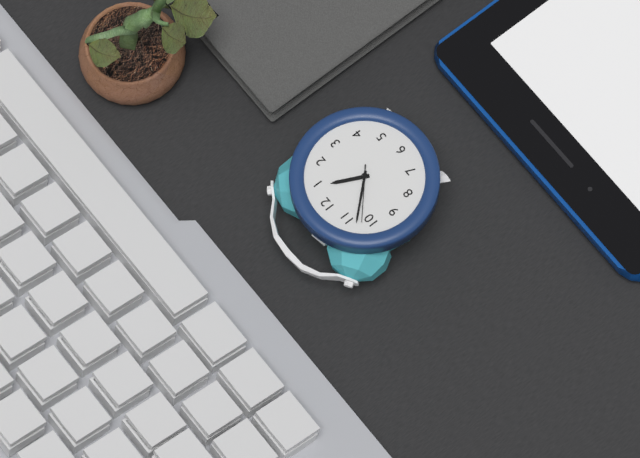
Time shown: {"hour": 12, "minute": 53, "second": 52}
